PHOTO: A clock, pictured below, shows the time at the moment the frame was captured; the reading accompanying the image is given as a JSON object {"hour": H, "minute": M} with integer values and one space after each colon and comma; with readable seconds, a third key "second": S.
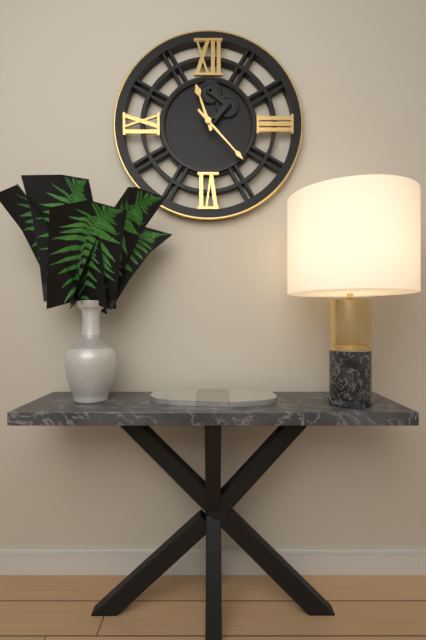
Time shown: {"hour": 11, "minute": 23}
